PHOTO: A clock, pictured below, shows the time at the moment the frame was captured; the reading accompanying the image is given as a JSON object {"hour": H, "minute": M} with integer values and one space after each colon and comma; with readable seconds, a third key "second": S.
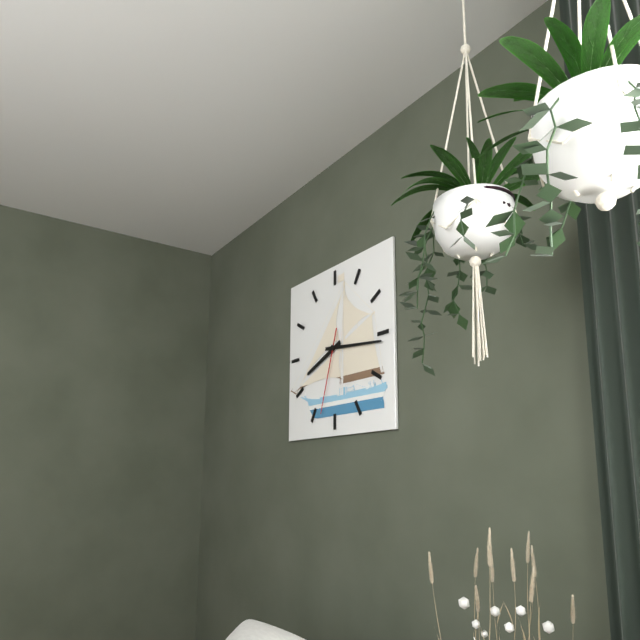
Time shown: {"hour": 8, "minute": 16, "second": 33}
